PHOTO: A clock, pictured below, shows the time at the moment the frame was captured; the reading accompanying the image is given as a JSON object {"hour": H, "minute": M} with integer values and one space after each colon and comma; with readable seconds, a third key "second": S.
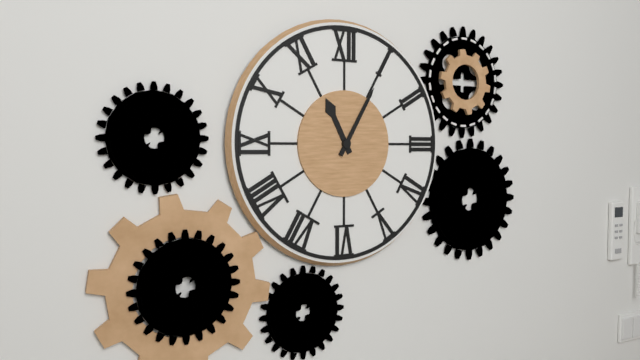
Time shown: {"hour": 11, "minute": 5}
